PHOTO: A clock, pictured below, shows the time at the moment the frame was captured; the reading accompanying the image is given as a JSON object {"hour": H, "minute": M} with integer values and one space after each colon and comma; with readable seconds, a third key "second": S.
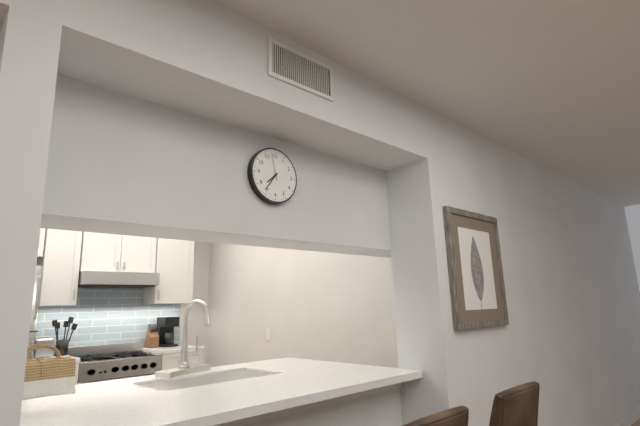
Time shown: {"hour": 7, "minute": 36}
